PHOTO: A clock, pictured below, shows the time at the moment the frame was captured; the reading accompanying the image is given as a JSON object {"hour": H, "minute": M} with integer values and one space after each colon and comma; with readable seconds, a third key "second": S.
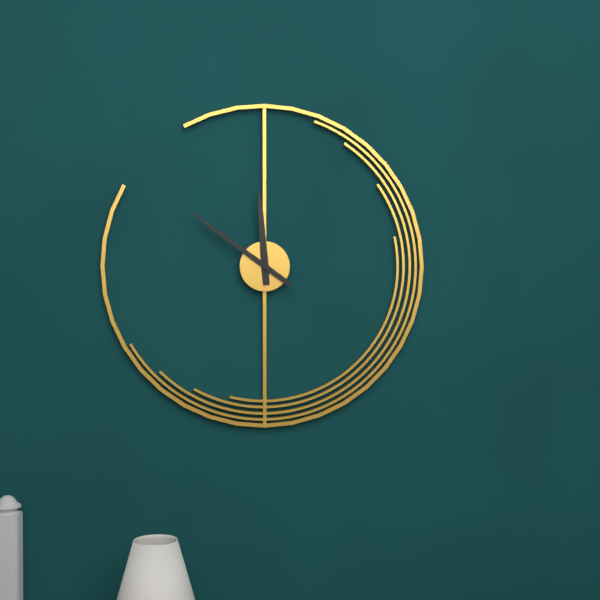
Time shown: {"hour": 11, "minute": 51}
